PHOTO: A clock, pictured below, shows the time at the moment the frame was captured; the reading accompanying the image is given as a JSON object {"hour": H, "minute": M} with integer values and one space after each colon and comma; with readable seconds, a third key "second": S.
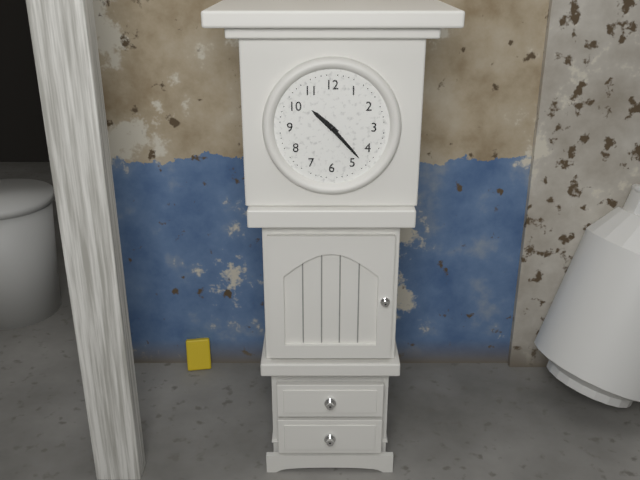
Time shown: {"hour": 10, "minute": 23}
